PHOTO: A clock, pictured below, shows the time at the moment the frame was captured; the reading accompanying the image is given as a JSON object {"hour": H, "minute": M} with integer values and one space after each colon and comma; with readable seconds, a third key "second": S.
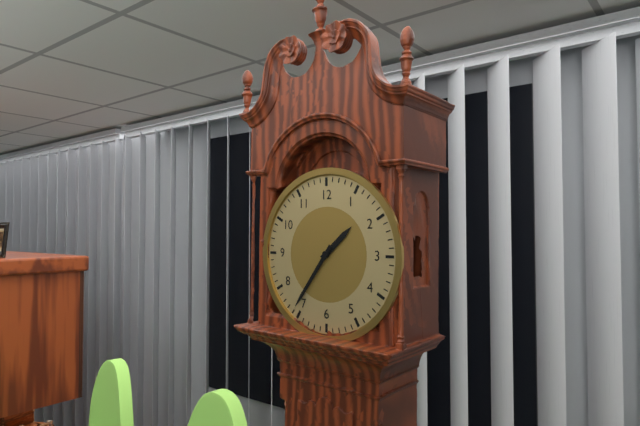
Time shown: {"hour": 1, "minute": 36}
